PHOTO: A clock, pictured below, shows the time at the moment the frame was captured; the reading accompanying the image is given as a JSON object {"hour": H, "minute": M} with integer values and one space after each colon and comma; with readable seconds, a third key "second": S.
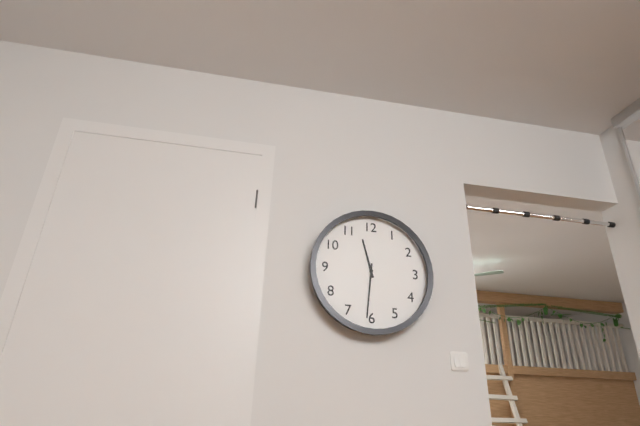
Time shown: {"hour": 11, "minute": 31}
